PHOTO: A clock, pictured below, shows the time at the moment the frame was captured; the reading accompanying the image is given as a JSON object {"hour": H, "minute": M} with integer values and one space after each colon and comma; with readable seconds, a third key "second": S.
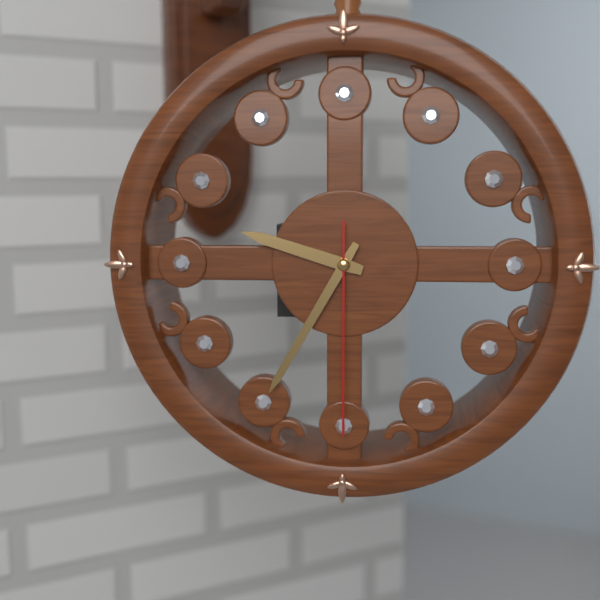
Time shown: {"hour": 9, "minute": 35, "second": 30}
